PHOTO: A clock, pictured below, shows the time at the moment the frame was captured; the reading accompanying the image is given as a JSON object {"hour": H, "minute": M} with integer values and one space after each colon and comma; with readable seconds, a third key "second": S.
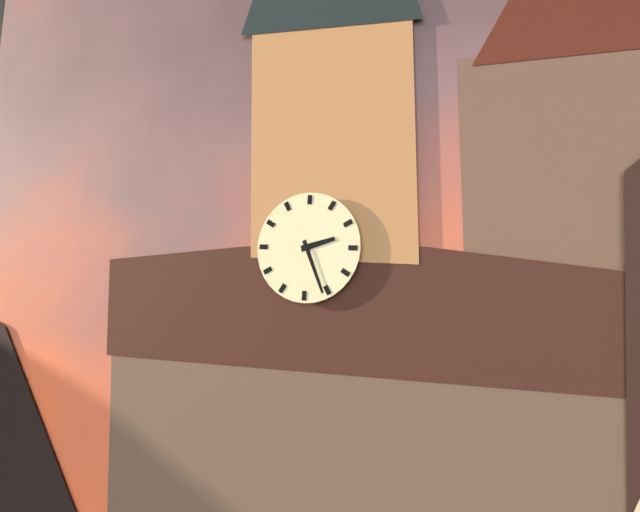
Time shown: {"hour": 2, "minute": 26}
